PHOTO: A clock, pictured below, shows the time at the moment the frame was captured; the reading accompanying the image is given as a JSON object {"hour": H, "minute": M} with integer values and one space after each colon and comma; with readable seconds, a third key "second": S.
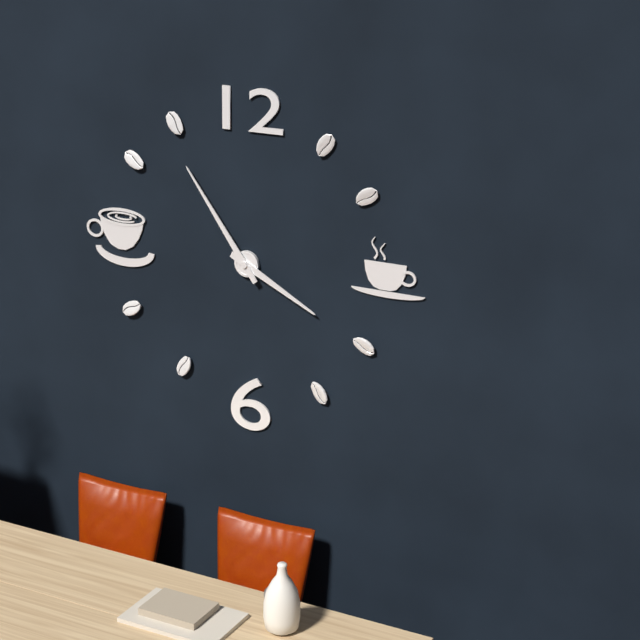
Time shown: {"hour": 3, "minute": 54}
